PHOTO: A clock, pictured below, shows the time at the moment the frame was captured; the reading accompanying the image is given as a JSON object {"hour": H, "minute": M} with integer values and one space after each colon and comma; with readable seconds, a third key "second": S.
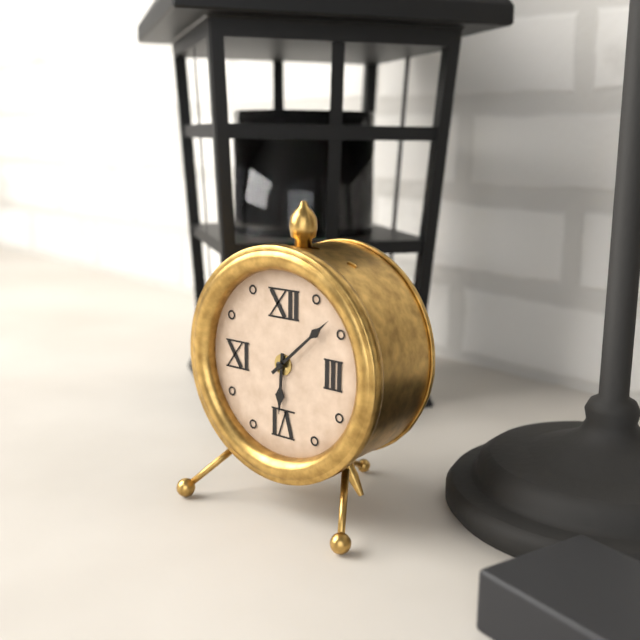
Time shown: {"hour": 6, "minute": 8}
